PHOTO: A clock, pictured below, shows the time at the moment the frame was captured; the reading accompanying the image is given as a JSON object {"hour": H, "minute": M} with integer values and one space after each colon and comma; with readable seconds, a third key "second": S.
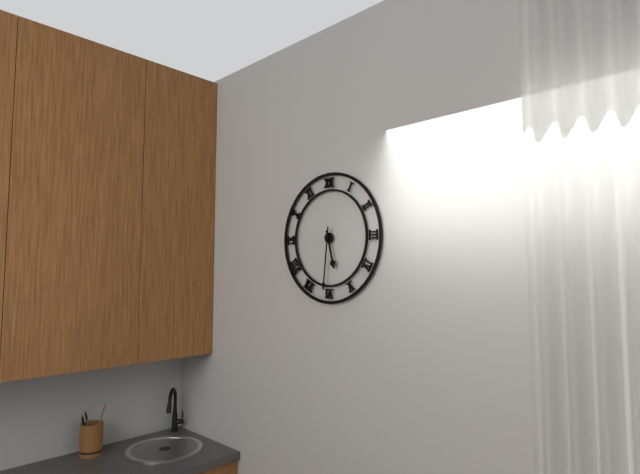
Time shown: {"hour": 5, "minute": 31}
